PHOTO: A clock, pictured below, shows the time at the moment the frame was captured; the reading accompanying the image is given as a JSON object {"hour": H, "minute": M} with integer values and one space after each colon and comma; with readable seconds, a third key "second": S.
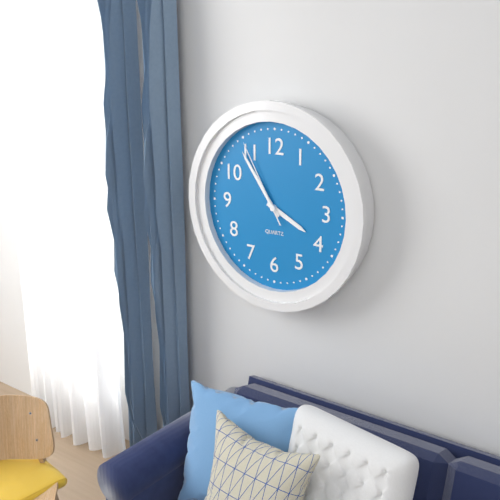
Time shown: {"hour": 3, "minute": 54, "second": 55}
